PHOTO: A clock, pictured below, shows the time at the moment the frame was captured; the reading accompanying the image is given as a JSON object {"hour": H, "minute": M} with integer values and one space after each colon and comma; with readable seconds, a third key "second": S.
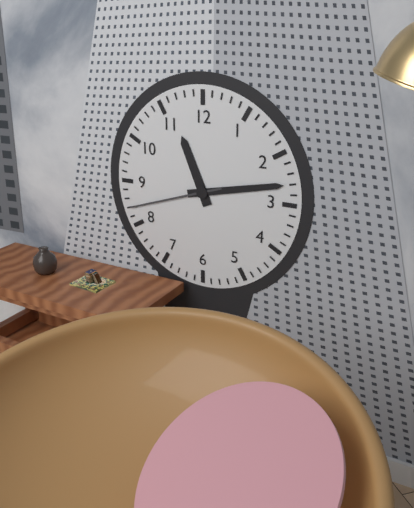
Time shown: {"hour": 11, "minute": 13, "second": 42}
